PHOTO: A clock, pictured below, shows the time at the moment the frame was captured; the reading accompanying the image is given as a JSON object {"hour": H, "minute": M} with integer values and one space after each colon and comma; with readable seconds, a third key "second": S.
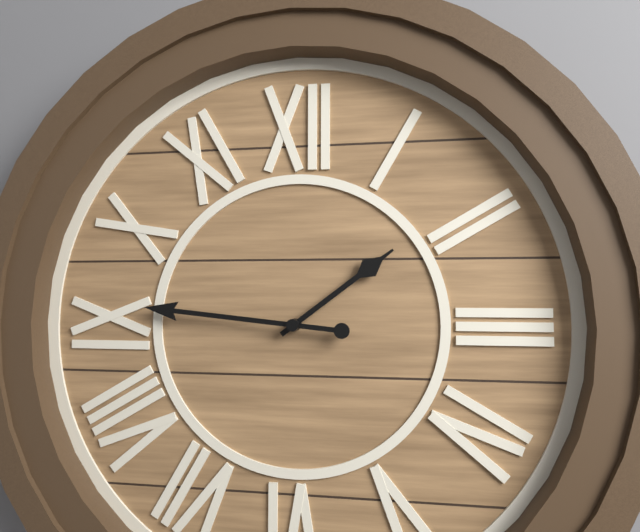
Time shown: {"hour": 1, "minute": 46}
